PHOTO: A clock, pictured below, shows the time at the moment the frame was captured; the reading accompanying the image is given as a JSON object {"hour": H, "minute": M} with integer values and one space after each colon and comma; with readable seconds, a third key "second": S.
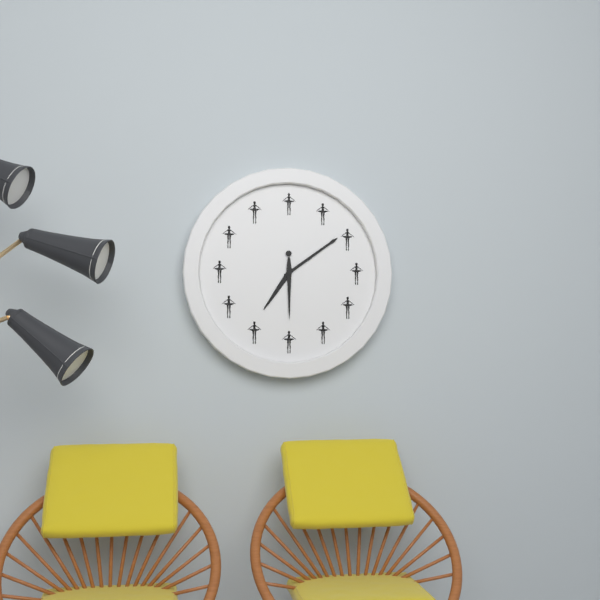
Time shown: {"hour": 7, "minute": 9}
